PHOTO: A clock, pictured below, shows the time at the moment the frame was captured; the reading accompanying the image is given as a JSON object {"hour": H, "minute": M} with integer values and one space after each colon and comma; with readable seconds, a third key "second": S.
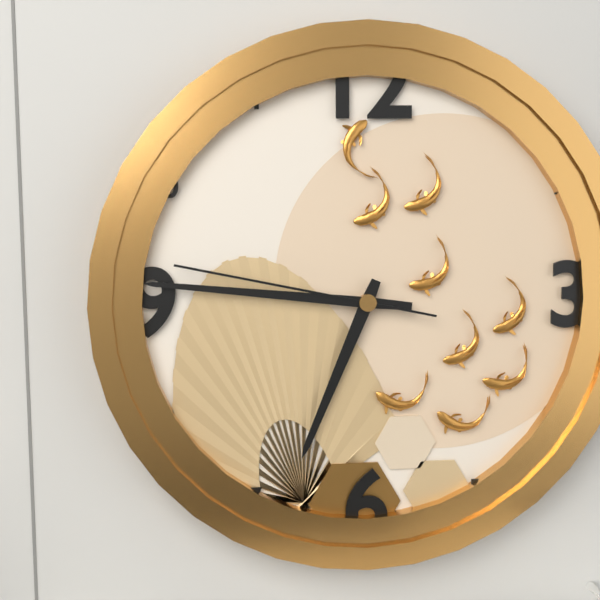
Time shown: {"hour": 6, "minute": 46, "second": 47}
